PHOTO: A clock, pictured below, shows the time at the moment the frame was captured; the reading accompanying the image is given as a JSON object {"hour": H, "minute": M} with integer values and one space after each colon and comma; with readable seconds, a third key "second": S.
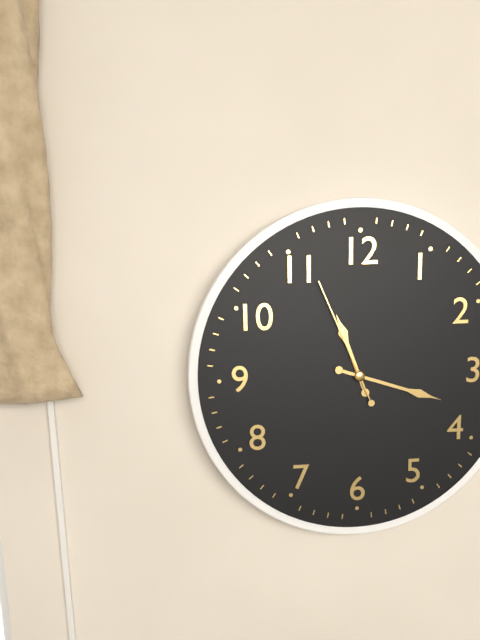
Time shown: {"hour": 11, "minute": 18, "second": 56}
